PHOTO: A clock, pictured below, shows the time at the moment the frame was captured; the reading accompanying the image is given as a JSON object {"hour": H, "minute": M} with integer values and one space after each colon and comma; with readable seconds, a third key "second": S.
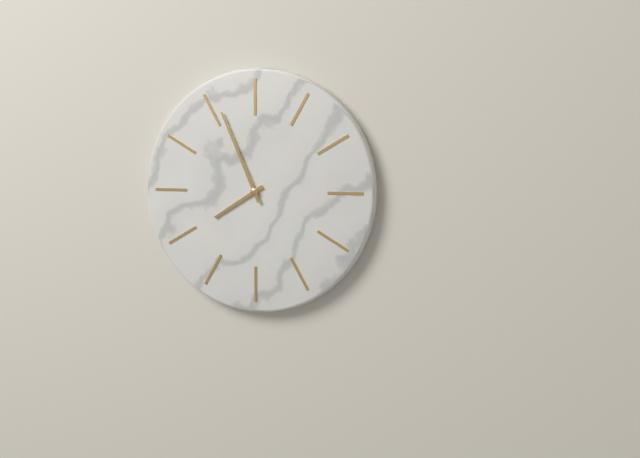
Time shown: {"hour": 7, "minute": 56}
